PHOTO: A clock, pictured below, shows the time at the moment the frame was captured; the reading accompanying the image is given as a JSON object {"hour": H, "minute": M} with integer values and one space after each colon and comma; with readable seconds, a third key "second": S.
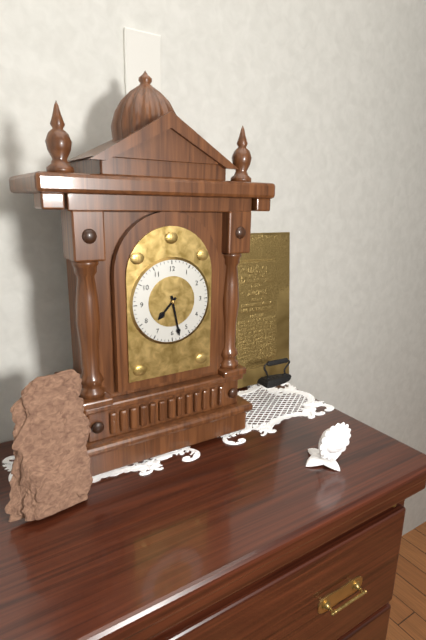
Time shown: {"hour": 7, "minute": 28}
